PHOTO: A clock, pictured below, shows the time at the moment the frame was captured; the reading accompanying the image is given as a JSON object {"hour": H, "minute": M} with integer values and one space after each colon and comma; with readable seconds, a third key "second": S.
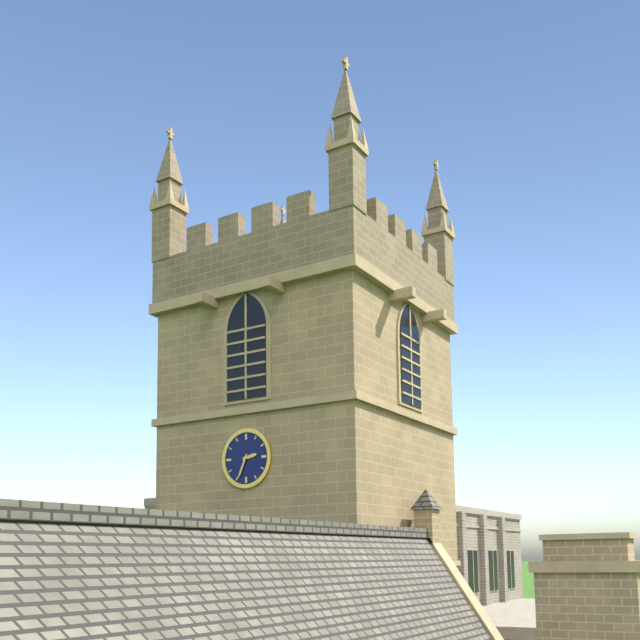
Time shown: {"hour": 2, "minute": 34}
